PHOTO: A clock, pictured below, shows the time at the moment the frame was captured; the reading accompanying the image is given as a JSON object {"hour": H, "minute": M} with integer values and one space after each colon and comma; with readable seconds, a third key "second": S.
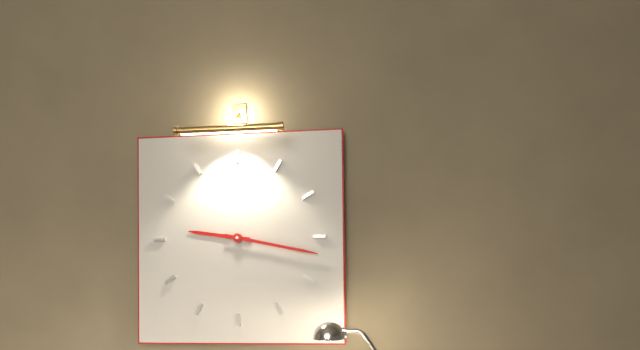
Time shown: {"hour": 9, "minute": 17}
